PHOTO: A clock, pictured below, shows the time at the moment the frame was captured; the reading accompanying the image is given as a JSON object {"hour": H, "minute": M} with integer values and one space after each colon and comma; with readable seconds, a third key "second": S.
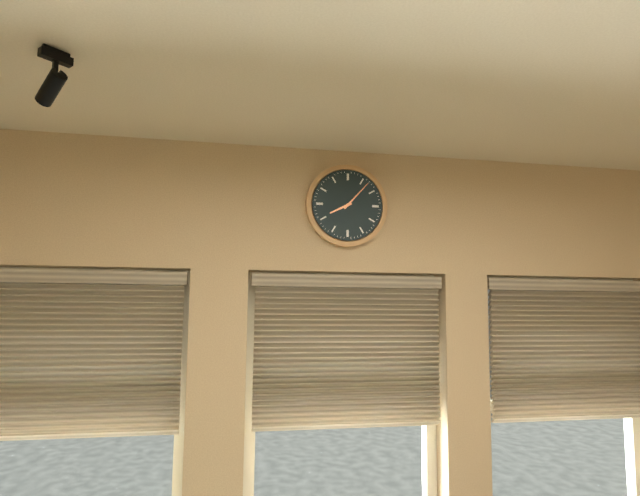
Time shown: {"hour": 8, "minute": 7}
